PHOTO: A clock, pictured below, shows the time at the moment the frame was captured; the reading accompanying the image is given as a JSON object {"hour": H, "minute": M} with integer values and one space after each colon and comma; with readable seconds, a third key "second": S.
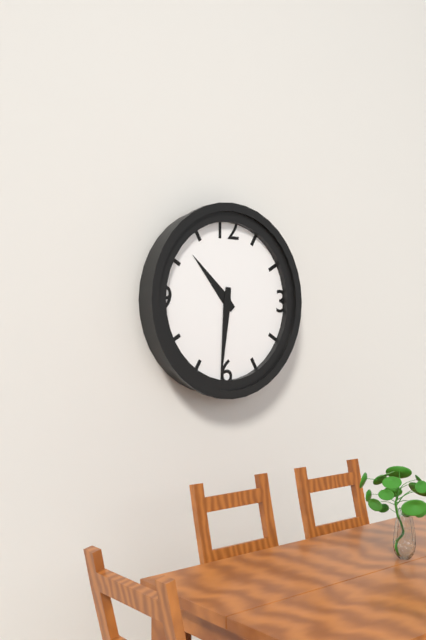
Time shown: {"hour": 10, "minute": 31}
